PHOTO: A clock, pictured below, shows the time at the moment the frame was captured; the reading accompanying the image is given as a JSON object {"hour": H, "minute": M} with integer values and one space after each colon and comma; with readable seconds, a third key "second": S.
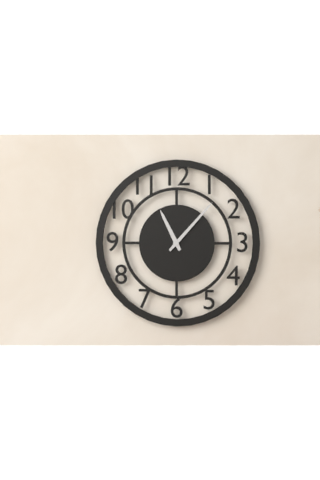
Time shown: {"hour": 11, "minute": 7}
